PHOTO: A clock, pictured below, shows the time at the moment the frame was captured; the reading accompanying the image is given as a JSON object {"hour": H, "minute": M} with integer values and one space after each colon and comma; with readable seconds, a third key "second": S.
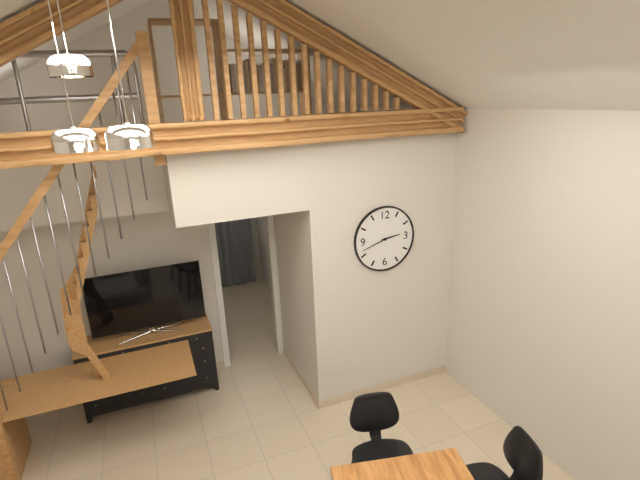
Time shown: {"hour": 2, "minute": 42}
